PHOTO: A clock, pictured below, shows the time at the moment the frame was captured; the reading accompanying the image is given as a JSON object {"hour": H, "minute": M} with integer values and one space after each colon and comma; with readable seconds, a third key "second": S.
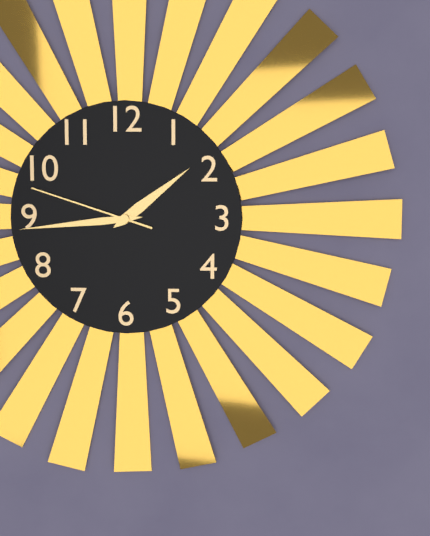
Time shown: {"hour": 1, "minute": 44, "second": 48}
